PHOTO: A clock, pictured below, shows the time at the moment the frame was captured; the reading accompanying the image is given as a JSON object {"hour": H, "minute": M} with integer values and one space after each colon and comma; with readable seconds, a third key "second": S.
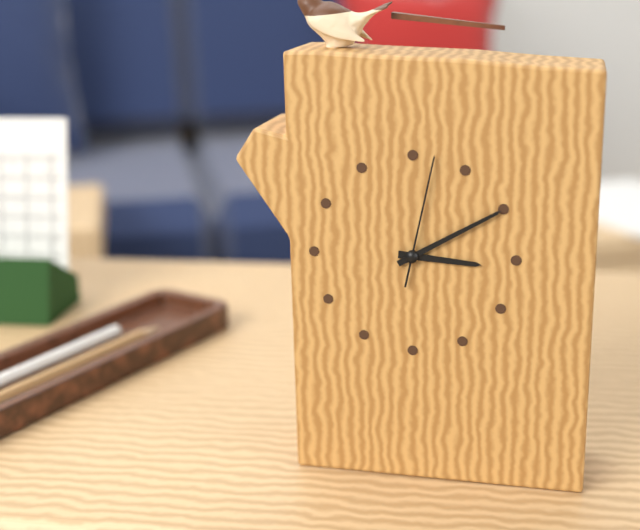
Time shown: {"hour": 3, "minute": 10, "second": 2}
